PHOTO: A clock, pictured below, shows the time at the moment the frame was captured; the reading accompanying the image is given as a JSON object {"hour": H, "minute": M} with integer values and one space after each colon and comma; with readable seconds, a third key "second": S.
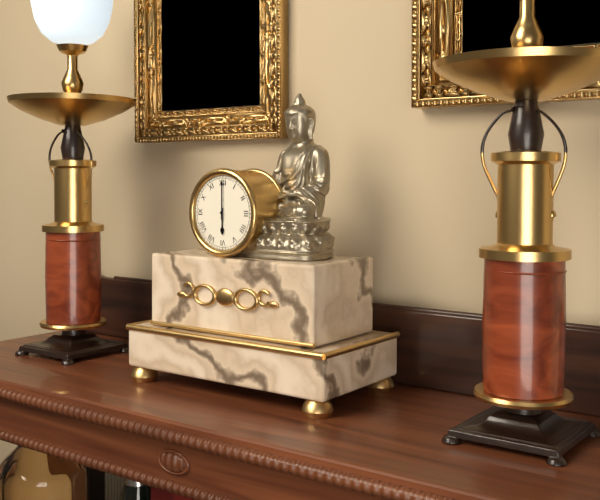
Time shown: {"hour": 6, "minute": 0}
